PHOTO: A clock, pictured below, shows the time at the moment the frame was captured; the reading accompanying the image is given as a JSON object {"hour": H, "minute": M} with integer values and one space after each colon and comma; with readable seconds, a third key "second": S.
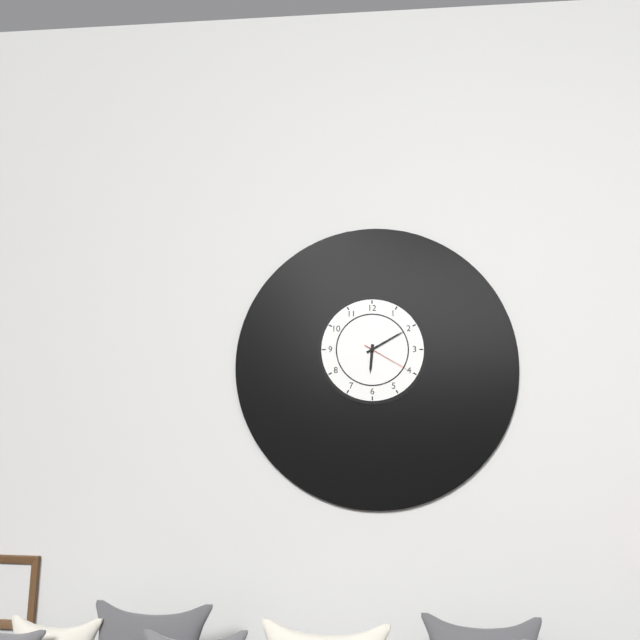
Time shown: {"hour": 6, "minute": 10, "second": 20}
